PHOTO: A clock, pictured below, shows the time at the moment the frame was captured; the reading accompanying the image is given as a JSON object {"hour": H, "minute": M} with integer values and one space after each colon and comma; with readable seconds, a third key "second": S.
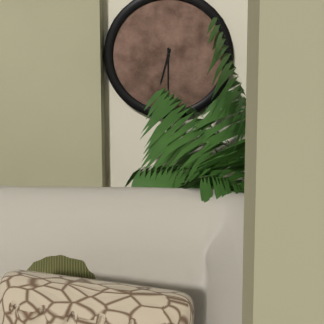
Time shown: {"hour": 6, "minute": 30}
